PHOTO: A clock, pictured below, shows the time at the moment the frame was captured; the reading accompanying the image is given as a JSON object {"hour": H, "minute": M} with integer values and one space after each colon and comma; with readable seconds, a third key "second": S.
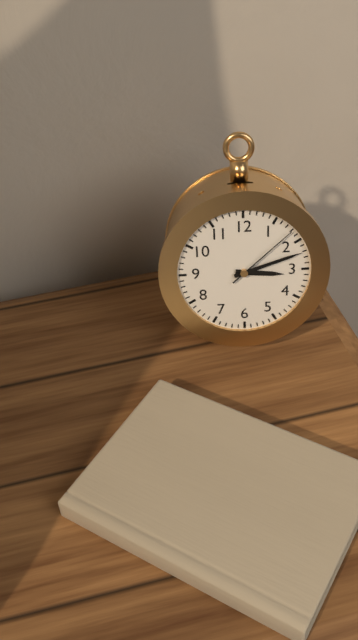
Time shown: {"hour": 3, "minute": 12, "second": 8}
